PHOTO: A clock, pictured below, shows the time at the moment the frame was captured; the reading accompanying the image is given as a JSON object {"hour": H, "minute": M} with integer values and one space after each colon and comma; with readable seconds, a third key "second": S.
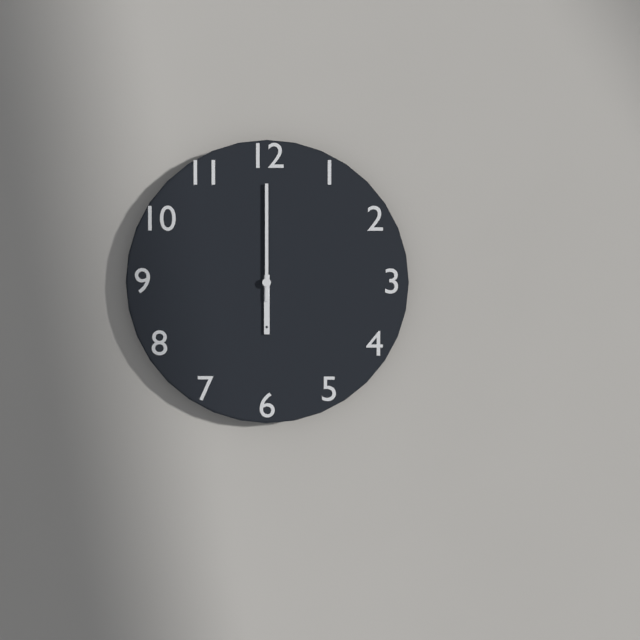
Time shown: {"hour": 6, "minute": 0}
